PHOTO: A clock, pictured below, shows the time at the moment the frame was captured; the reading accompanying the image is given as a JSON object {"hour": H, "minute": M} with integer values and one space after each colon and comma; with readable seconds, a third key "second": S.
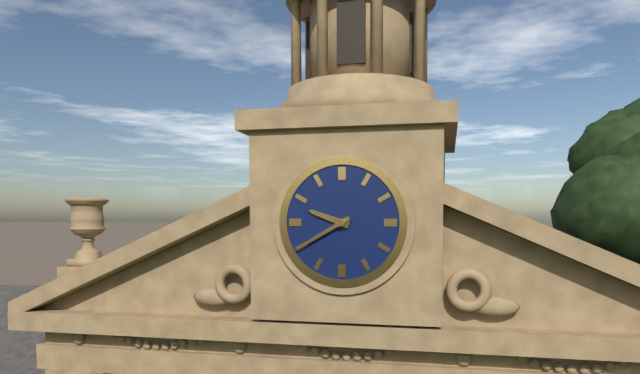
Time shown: {"hour": 9, "minute": 40}
